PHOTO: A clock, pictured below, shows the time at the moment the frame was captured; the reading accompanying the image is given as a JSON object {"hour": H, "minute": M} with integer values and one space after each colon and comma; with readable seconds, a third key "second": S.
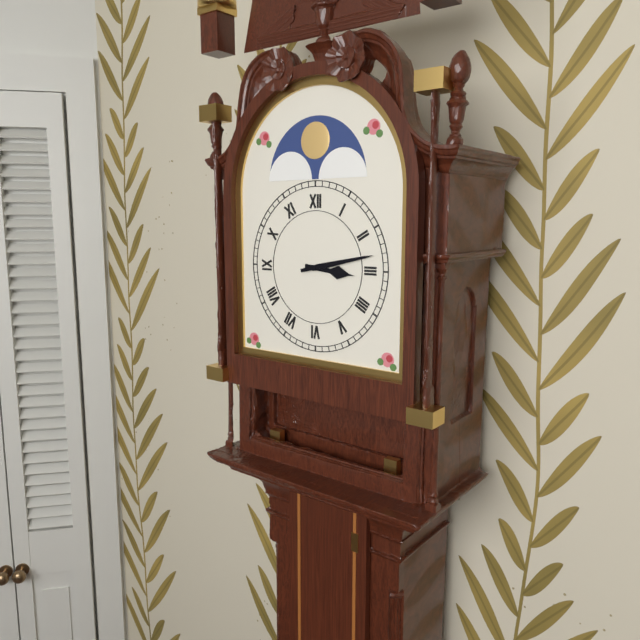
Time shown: {"hour": 3, "minute": 13}
